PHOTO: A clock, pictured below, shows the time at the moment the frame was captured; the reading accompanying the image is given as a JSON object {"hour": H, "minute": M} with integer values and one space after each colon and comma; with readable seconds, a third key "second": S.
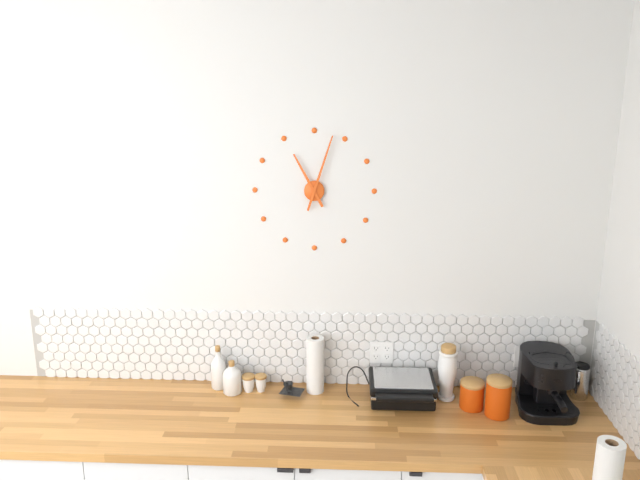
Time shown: {"hour": 11, "minute": 3}
